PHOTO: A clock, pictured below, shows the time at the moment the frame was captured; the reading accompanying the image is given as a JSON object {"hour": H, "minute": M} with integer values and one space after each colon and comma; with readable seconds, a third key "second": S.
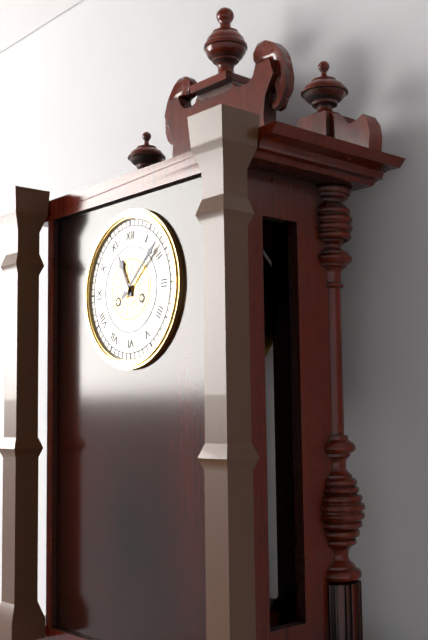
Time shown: {"hour": 11, "minute": 8}
